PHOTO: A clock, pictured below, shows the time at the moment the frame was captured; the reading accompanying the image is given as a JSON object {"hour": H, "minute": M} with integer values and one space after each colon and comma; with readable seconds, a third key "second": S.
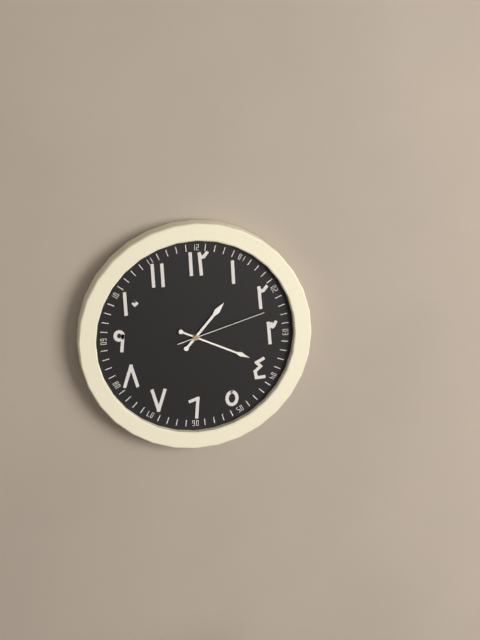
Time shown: {"hour": 1, "minute": 19, "second": 12}
